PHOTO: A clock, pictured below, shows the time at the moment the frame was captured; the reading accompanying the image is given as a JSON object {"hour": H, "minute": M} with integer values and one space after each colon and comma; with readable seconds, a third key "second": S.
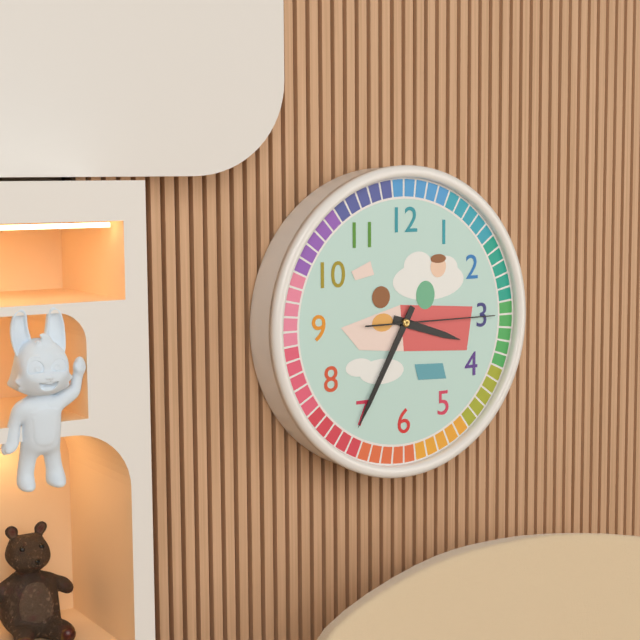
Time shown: {"hour": 3, "minute": 35, "second": 15}
